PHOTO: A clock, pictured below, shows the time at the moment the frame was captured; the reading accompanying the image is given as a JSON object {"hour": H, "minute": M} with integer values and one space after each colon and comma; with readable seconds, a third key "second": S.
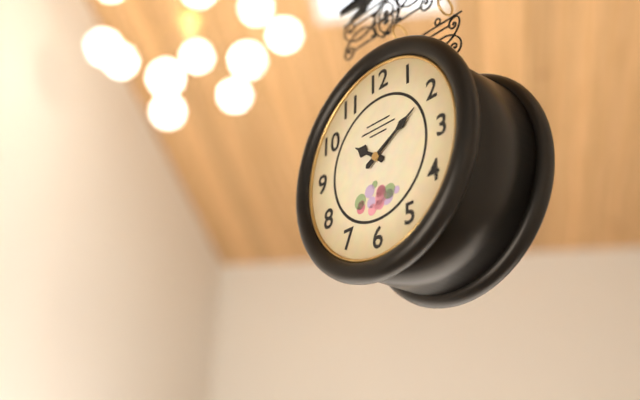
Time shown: {"hour": 10, "minute": 10}
